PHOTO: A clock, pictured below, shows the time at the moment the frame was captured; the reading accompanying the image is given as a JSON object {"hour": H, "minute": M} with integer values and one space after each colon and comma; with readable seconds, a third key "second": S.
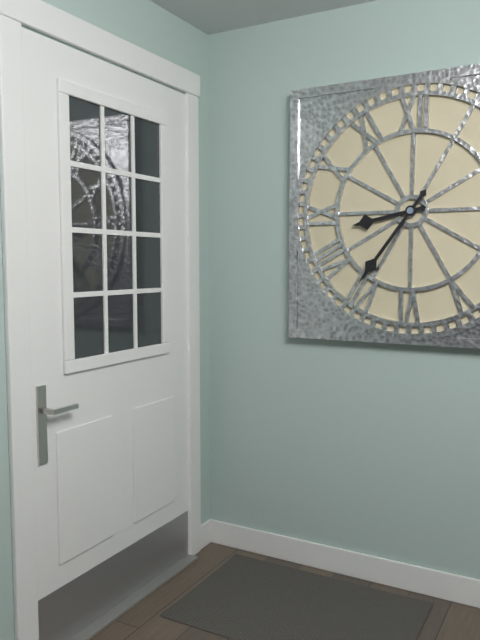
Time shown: {"hour": 8, "minute": 36}
